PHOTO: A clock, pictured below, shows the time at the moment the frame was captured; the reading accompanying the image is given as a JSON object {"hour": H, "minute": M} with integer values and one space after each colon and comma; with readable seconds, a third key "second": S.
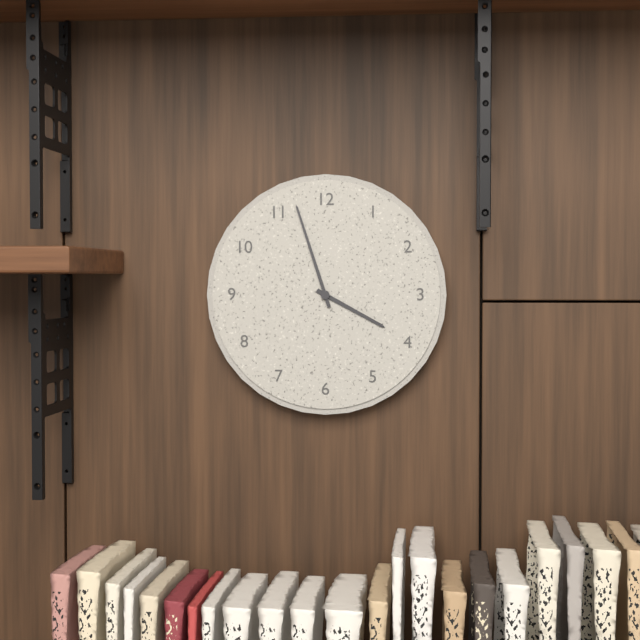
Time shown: {"hour": 3, "minute": 57}
